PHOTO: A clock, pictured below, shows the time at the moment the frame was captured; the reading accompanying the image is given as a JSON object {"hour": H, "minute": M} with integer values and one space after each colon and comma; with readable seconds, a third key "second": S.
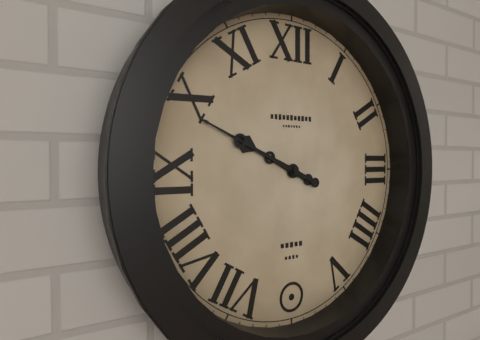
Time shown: {"hour": 9, "minute": 49}
